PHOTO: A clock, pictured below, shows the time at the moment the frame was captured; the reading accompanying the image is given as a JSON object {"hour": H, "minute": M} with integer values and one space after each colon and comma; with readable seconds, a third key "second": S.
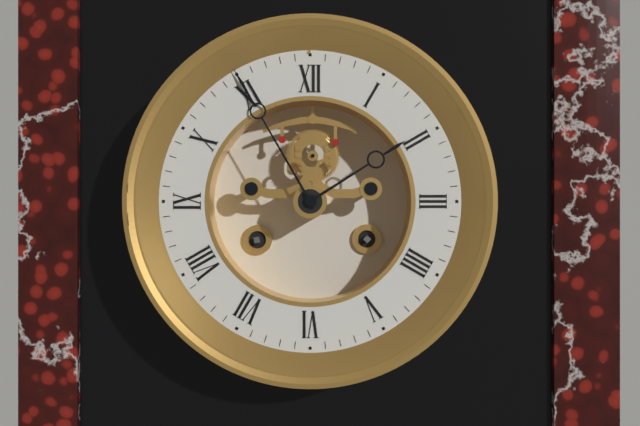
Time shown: {"hour": 1, "minute": 55}
